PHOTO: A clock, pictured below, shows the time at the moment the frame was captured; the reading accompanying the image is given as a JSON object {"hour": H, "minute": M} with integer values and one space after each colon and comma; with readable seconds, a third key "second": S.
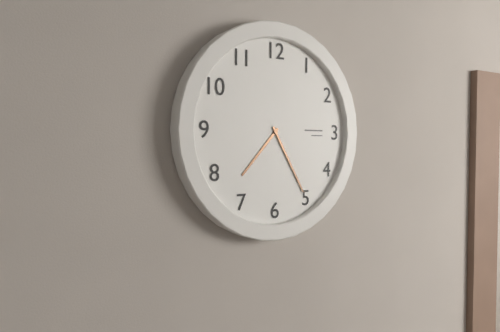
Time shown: {"hour": 7, "minute": 25}
